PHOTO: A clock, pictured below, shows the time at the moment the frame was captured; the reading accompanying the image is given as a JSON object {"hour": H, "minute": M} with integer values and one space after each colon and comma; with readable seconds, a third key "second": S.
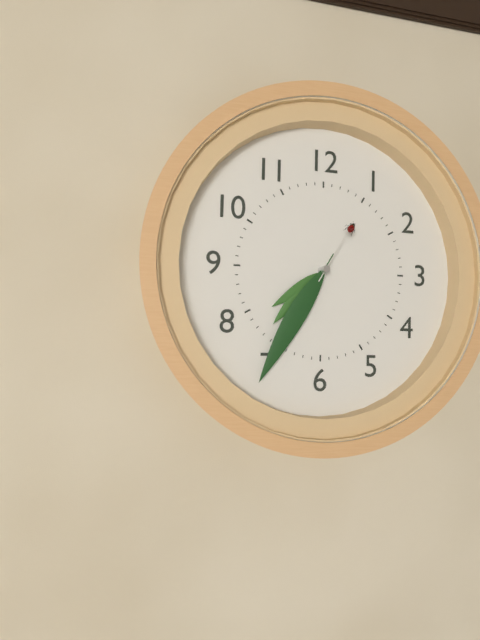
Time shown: {"hour": 7, "minute": 35, "second": 5}
